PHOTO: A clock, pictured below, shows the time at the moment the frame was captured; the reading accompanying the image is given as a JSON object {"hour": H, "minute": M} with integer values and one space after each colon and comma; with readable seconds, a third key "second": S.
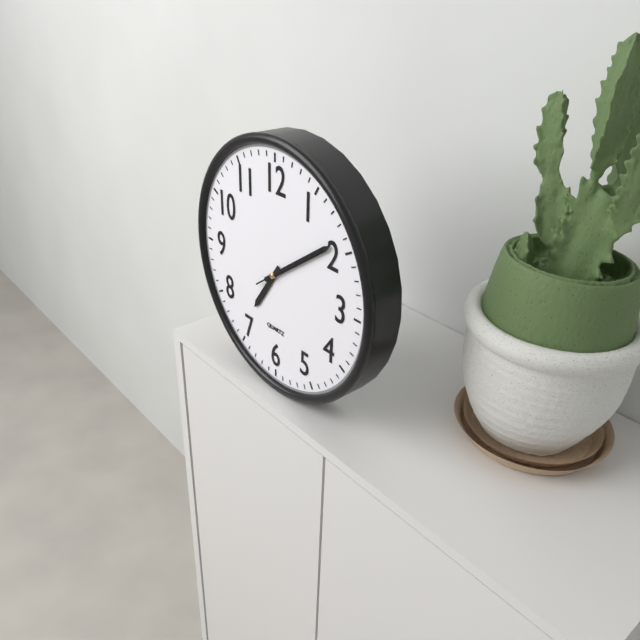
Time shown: {"hour": 7, "minute": 9, "second": 9}
